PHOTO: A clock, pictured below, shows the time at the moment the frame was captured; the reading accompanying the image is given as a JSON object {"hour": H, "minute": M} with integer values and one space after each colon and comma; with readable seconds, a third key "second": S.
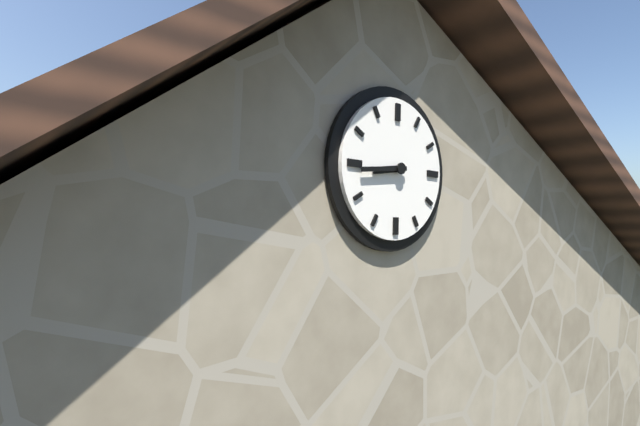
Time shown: {"hour": 8, "minute": 44}
